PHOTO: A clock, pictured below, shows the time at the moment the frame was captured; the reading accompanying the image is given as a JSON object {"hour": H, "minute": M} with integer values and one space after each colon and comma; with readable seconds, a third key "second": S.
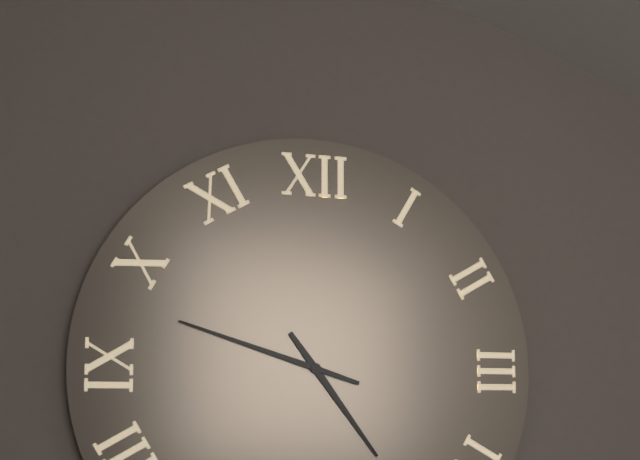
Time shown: {"hour": 4, "minute": 48}
